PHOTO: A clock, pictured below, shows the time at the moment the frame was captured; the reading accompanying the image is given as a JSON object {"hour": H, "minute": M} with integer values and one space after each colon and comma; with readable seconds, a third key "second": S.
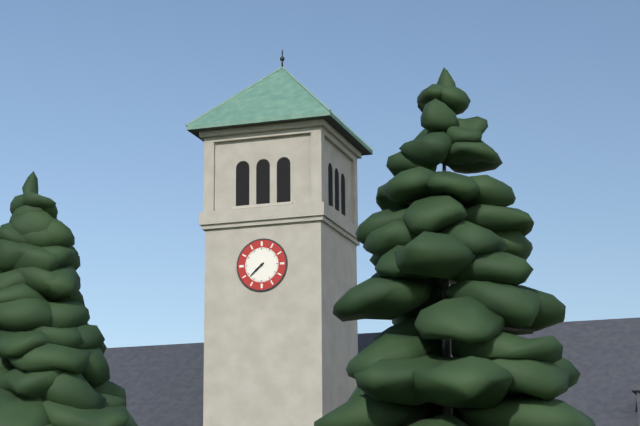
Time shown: {"hour": 7, "minute": 38}
